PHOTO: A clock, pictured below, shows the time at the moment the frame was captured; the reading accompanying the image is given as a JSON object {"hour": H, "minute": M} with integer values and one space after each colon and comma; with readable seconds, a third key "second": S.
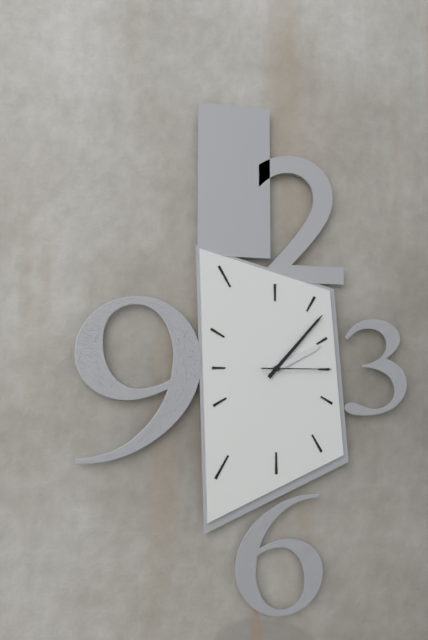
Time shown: {"hour": 2, "minute": 7, "second": 15}
